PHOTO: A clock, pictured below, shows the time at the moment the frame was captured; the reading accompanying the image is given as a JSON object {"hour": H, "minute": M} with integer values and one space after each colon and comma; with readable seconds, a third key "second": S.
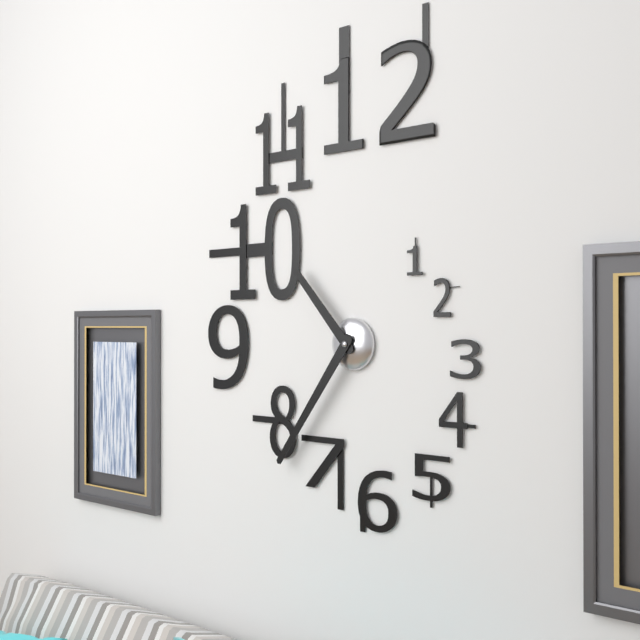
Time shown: {"hour": 10, "minute": 36}
